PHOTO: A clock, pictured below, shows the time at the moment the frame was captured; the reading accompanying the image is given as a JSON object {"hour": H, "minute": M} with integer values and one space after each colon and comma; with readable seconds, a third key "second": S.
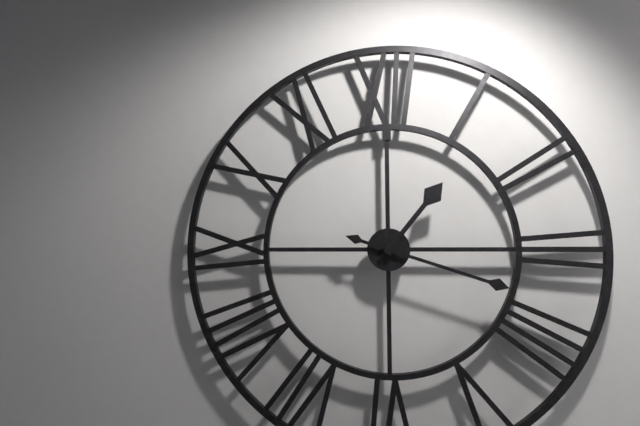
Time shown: {"hour": 1, "minute": 18}
